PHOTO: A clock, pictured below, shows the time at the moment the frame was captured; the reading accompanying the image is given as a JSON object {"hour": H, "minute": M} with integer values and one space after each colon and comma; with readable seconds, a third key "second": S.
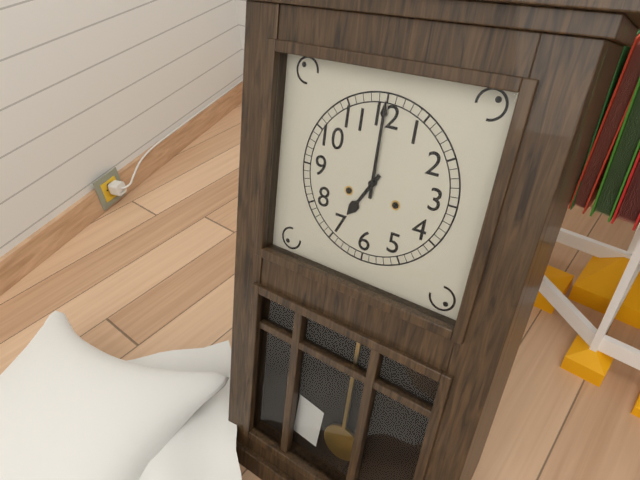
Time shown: {"hour": 7, "minute": 0}
